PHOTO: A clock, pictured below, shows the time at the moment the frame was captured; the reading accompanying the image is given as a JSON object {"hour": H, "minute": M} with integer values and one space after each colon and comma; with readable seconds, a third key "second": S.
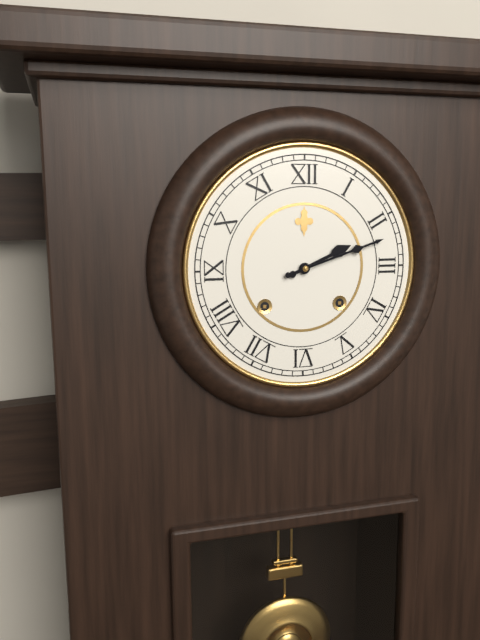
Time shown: {"hour": 2, "minute": 12}
